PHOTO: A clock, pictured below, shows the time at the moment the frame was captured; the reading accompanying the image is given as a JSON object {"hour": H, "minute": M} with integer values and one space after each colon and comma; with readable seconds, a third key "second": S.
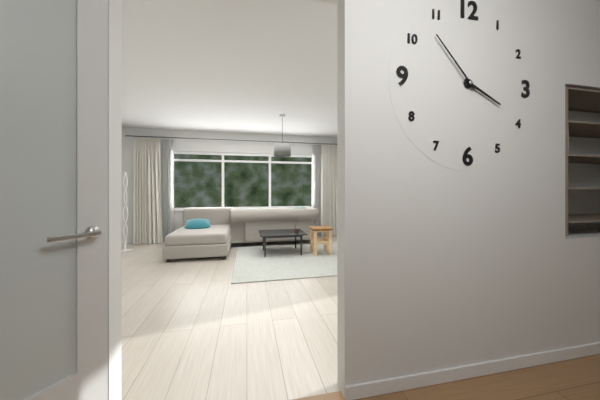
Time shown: {"hour": 3, "minute": 53}
